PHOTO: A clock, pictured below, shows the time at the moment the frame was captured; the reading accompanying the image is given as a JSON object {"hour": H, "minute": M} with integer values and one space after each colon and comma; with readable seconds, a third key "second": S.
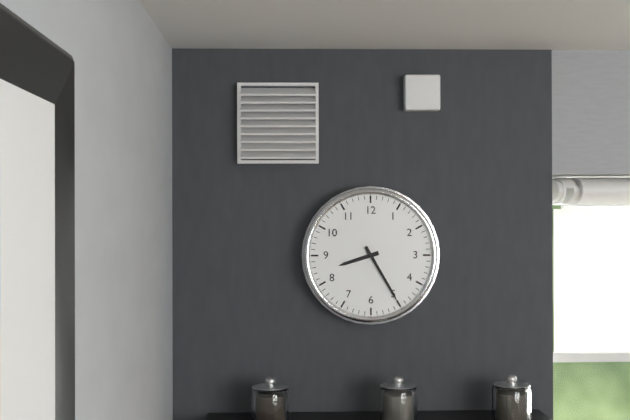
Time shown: {"hour": 8, "minute": 25}
